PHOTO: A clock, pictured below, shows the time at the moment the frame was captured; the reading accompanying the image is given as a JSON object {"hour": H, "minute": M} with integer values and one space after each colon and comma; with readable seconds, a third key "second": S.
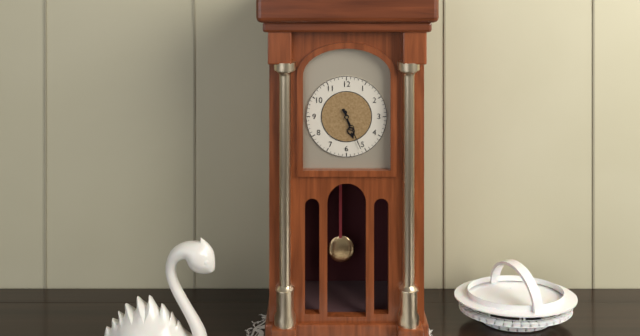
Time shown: {"hour": 5, "minute": 26}
